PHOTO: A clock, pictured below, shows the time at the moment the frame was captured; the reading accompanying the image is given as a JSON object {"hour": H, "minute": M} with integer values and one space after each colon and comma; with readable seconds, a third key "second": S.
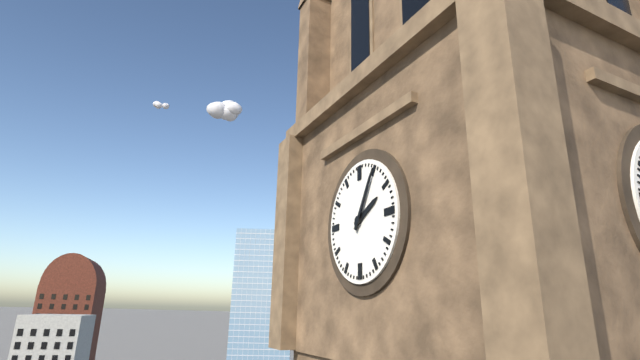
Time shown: {"hour": 2, "minute": 5}
